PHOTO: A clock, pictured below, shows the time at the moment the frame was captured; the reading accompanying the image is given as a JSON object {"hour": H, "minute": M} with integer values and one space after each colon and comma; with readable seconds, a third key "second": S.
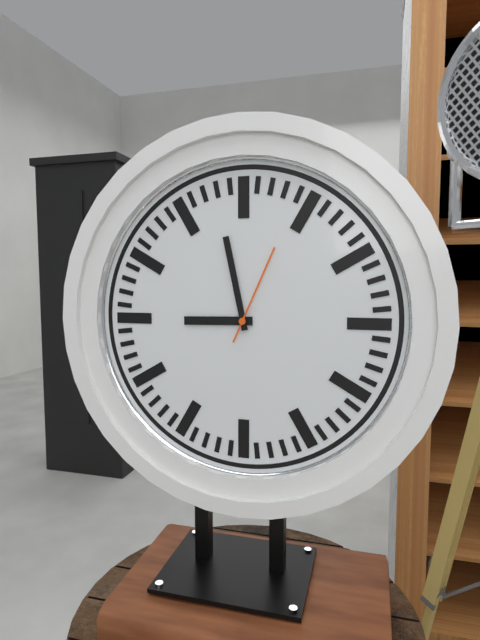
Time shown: {"hour": 8, "minute": 58, "second": 4}
